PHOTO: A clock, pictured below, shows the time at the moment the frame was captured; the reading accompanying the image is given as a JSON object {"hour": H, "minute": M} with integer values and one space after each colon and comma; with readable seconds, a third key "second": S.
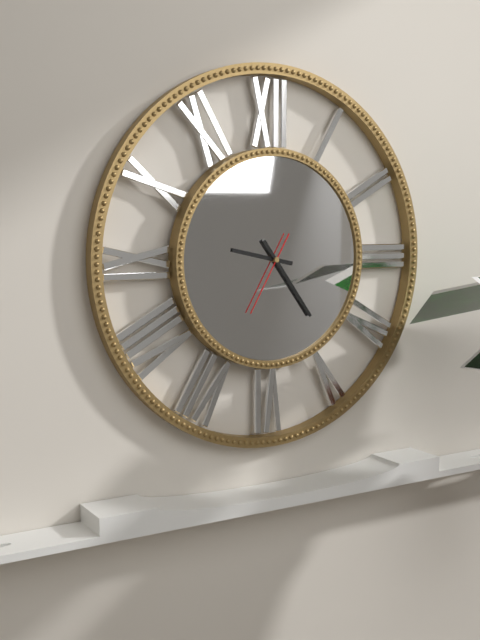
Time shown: {"hour": 9, "minute": 24, "second": 35}
